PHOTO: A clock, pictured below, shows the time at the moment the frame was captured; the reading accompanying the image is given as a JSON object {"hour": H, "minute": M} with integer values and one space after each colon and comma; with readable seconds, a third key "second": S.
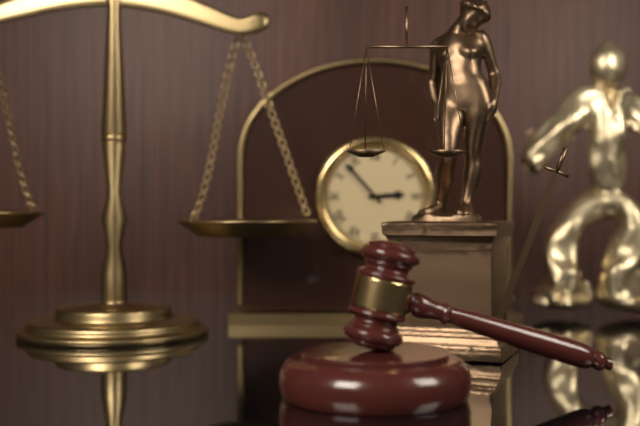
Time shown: {"hour": 2, "minute": 53}
